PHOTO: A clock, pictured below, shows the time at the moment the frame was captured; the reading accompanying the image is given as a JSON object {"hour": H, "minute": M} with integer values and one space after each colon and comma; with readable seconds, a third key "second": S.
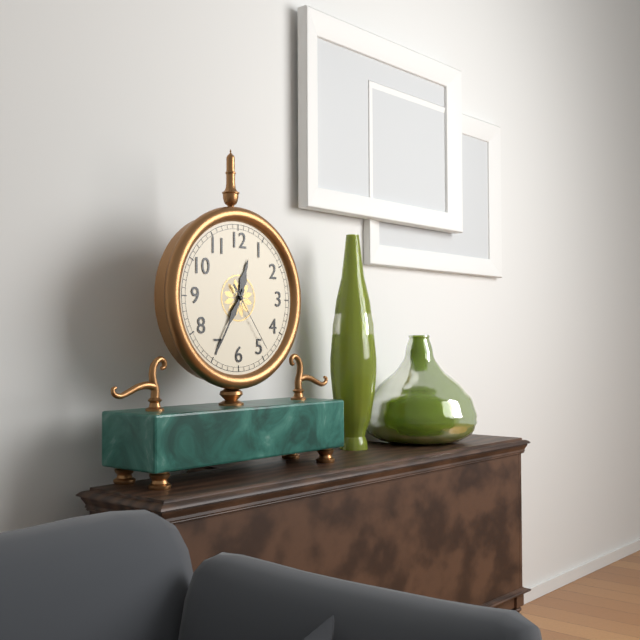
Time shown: {"hour": 12, "minute": 35, "second": 24}
